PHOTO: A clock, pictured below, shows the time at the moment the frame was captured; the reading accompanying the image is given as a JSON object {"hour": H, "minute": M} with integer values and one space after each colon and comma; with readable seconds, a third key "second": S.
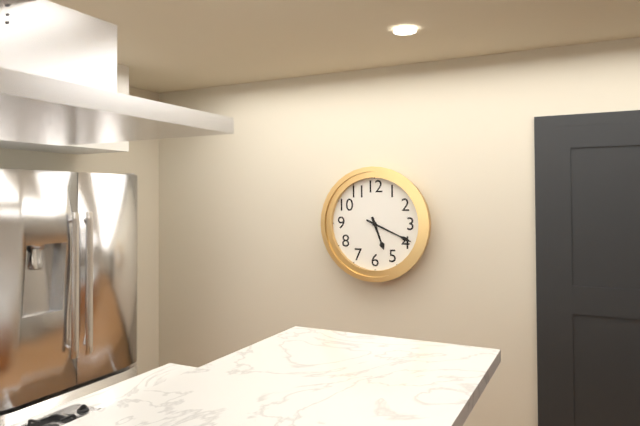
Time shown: {"hour": 5, "minute": 19}
